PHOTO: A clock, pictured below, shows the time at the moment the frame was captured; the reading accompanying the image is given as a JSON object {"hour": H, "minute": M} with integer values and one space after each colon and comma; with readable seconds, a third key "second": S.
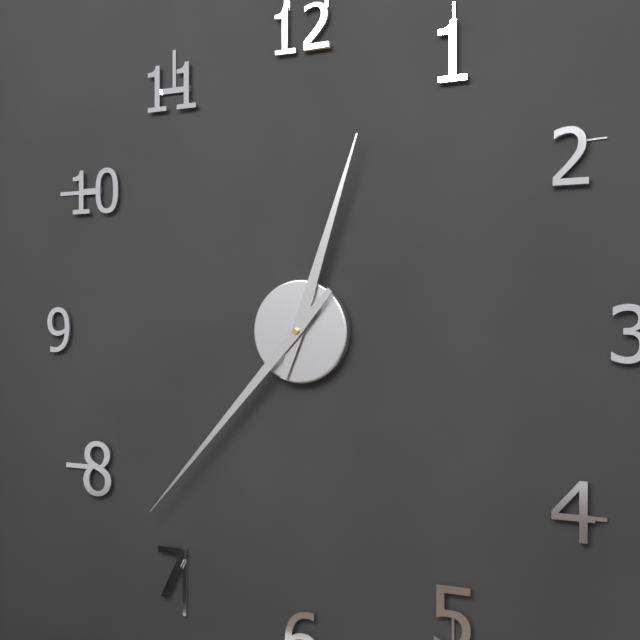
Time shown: {"hour": 12, "minute": 37}
